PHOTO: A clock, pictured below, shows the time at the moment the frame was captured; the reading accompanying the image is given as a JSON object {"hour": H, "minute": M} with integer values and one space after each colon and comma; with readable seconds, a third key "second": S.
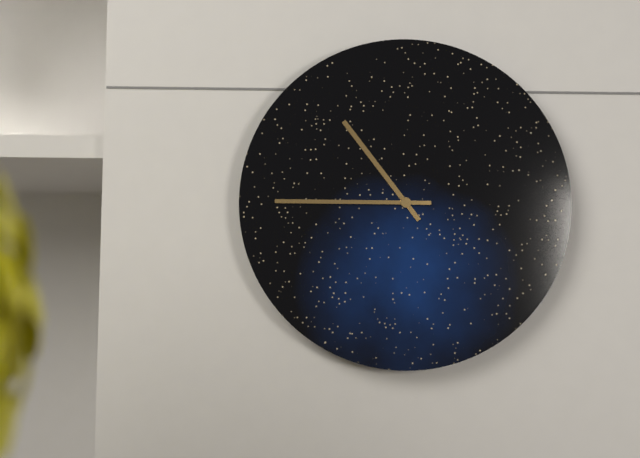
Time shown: {"hour": 10, "minute": 45}
